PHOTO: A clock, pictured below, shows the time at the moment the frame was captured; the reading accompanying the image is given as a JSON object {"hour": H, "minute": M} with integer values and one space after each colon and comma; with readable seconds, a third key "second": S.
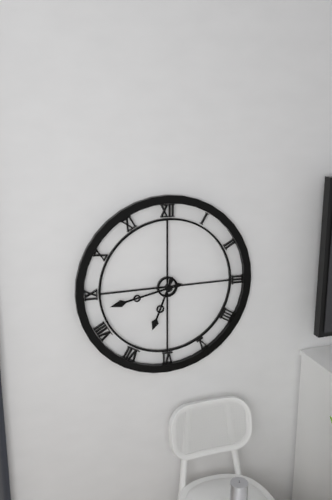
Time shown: {"hour": 6, "minute": 43}
